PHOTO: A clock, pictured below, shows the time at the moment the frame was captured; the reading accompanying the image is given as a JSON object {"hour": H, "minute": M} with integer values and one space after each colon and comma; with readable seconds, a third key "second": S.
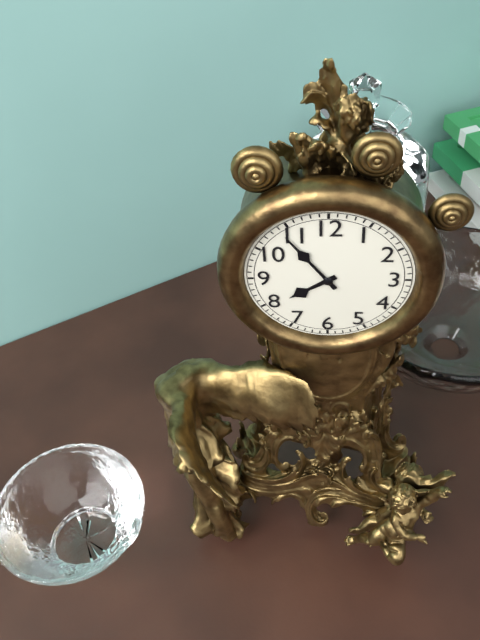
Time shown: {"hour": 7, "minute": 54}
